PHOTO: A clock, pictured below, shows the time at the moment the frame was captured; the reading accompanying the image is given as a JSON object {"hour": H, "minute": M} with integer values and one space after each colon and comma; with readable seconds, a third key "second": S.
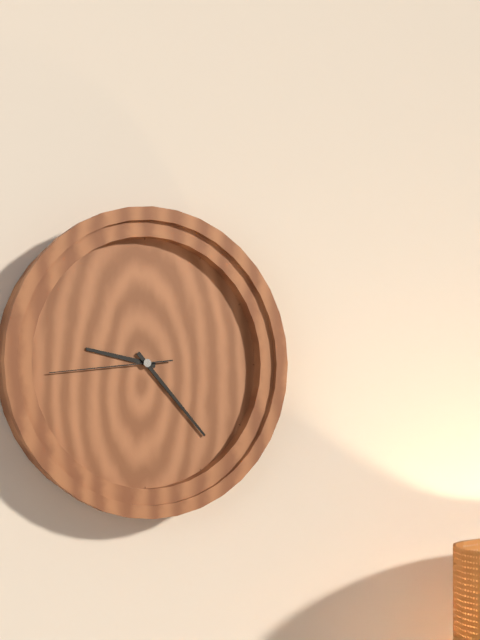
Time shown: {"hour": 9, "minute": 23, "second": 44}
